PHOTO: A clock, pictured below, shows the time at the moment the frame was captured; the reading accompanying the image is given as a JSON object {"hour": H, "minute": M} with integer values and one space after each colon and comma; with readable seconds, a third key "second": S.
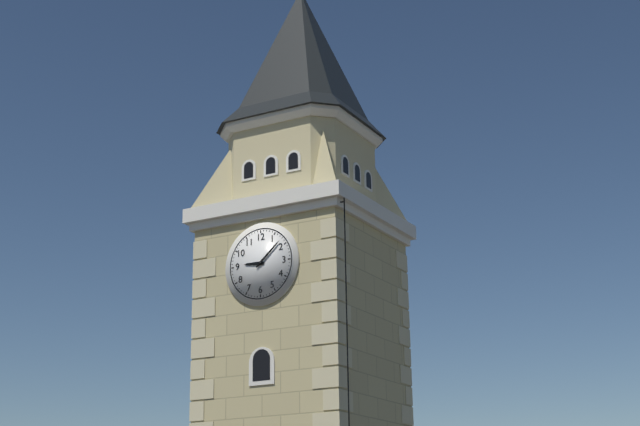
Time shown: {"hour": 9, "minute": 8}
